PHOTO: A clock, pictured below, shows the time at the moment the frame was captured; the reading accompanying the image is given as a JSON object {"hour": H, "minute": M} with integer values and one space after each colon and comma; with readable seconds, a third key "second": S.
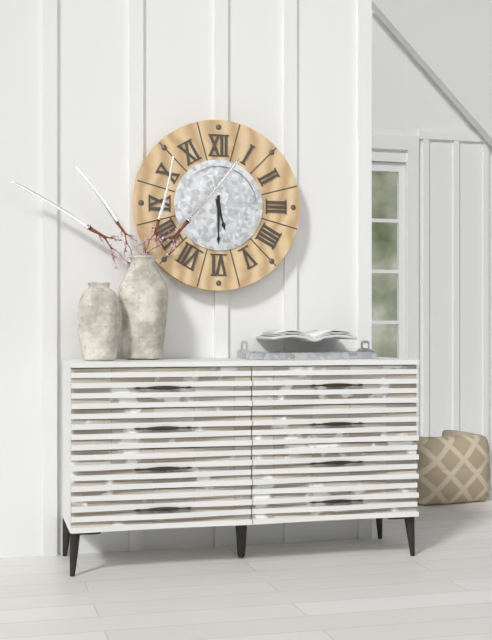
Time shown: {"hour": 5, "minute": 30}
